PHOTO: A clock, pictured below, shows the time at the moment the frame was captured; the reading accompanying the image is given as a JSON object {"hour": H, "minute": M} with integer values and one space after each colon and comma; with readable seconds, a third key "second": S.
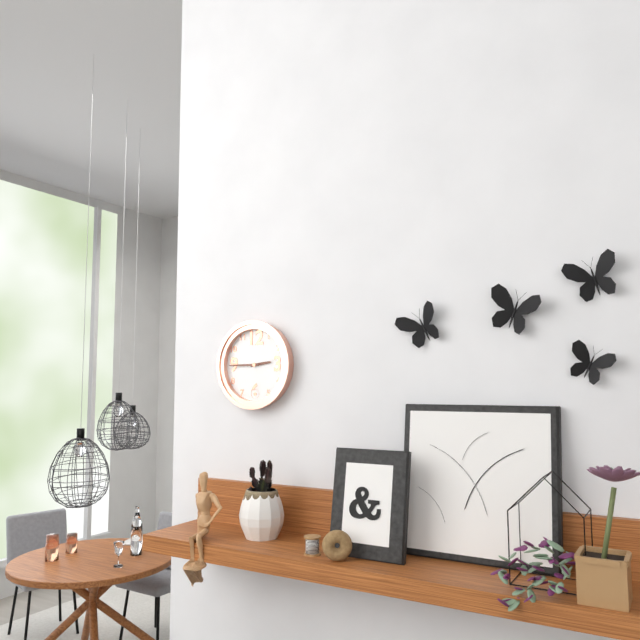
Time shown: {"hour": 2, "minute": 45}
